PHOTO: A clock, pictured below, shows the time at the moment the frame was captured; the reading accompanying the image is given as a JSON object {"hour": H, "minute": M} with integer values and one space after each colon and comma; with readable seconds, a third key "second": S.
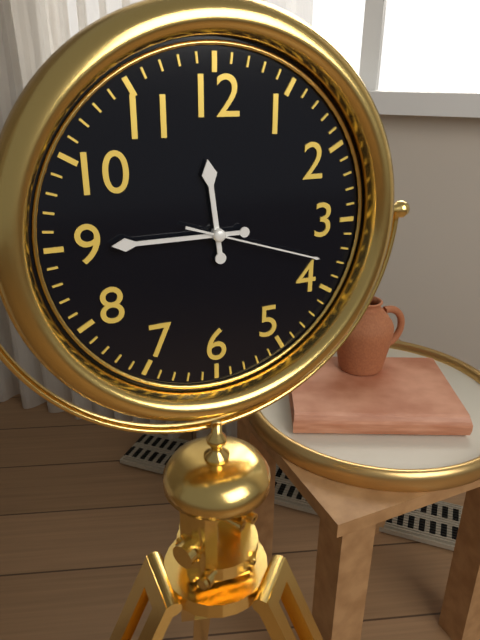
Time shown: {"hour": 11, "minute": 45, "second": 18}
